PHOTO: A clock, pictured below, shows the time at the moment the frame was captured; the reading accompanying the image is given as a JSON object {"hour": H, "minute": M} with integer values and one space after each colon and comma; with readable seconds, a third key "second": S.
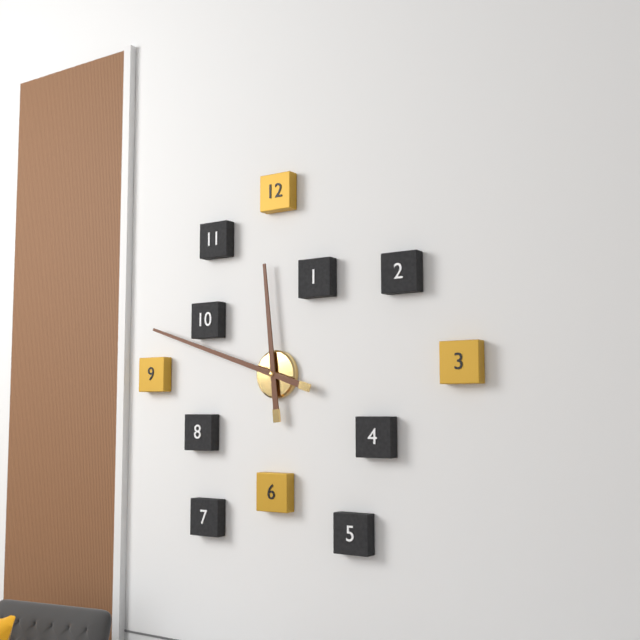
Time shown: {"hour": 11, "minute": 48}
